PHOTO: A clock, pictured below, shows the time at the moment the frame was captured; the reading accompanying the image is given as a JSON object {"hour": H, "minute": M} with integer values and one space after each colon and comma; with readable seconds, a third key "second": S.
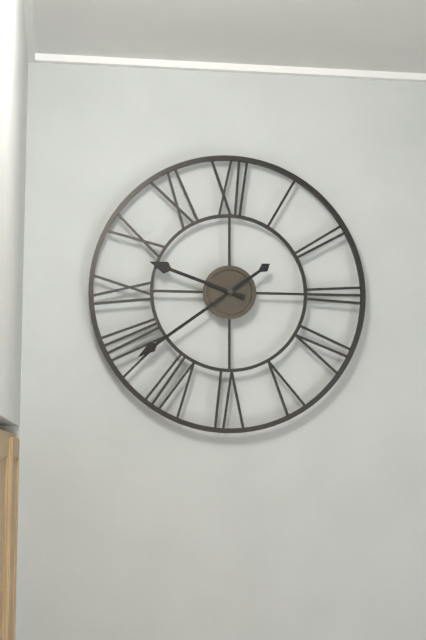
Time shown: {"hour": 9, "minute": 39}
